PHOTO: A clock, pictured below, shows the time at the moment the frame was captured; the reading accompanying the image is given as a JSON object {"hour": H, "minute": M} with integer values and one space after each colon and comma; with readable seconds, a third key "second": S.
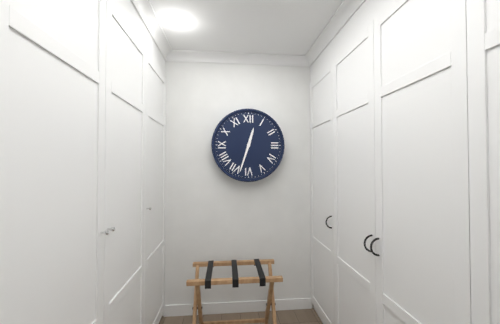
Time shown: {"hour": 12, "minute": 33}
